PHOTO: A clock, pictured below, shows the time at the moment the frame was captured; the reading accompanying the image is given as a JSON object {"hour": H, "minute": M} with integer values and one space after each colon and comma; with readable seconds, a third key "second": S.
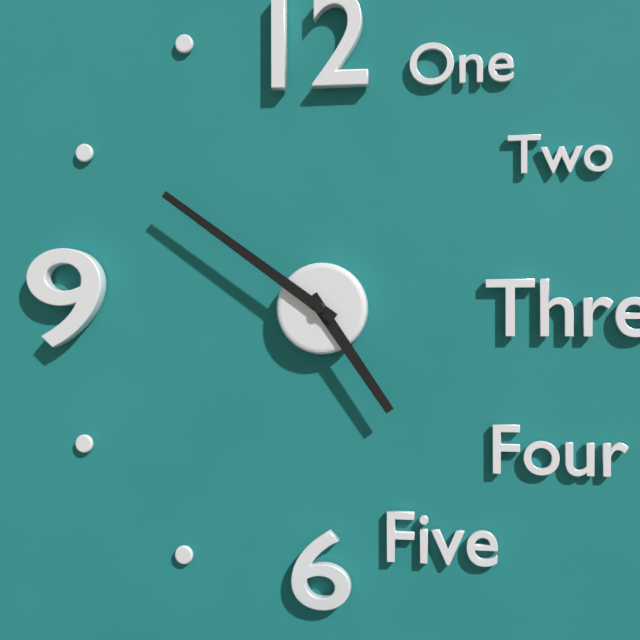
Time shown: {"hour": 4, "minute": 51}
